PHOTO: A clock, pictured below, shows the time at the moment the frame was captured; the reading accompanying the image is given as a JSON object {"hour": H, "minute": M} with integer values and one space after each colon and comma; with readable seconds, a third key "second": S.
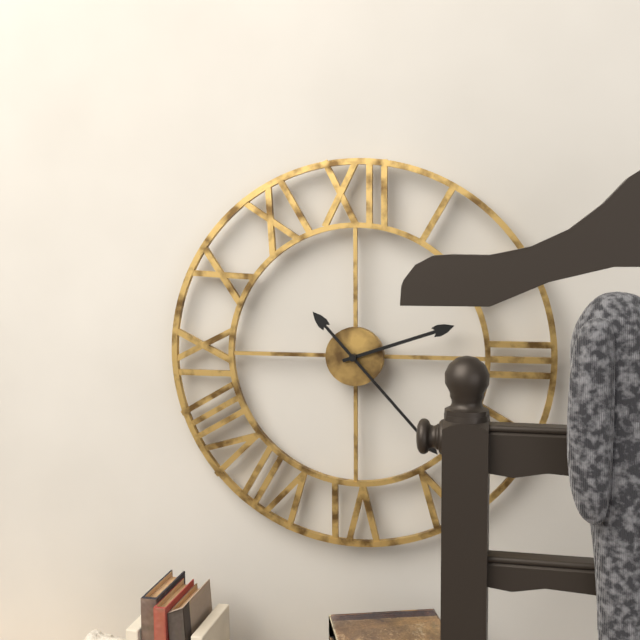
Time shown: {"hour": 2, "minute": 23}
